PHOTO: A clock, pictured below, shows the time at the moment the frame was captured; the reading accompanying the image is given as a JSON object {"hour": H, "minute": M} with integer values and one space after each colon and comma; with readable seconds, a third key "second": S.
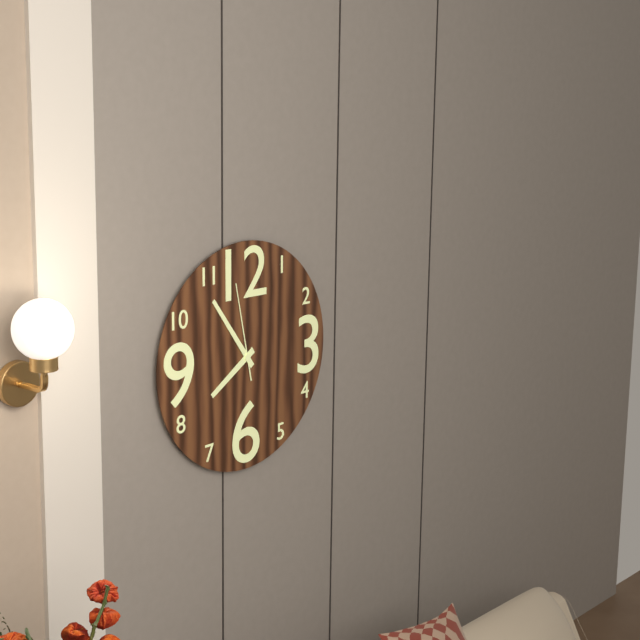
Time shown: {"hour": 7, "minute": 54, "second": 58}
